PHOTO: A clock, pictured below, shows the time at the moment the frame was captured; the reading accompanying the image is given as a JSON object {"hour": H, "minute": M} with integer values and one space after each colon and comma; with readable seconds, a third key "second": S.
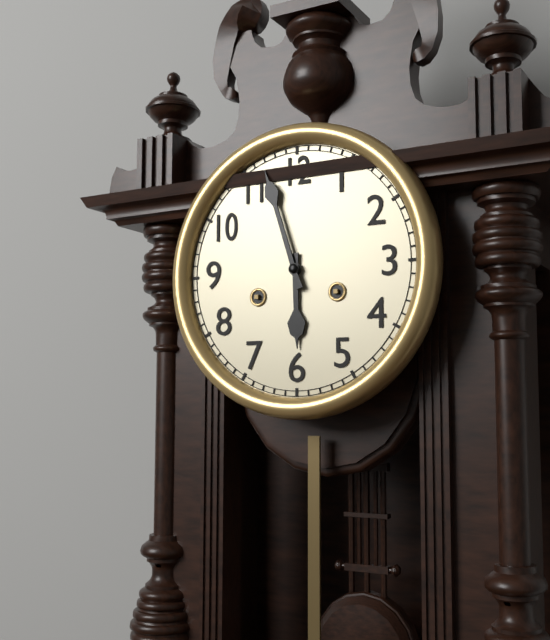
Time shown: {"hour": 5, "minute": 57}
